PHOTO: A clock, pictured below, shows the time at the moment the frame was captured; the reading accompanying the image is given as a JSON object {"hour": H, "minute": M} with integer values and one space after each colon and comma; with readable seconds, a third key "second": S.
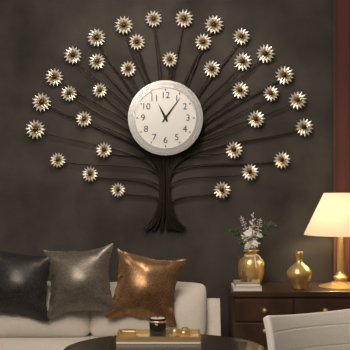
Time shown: {"hour": 11, "minute": 6}
